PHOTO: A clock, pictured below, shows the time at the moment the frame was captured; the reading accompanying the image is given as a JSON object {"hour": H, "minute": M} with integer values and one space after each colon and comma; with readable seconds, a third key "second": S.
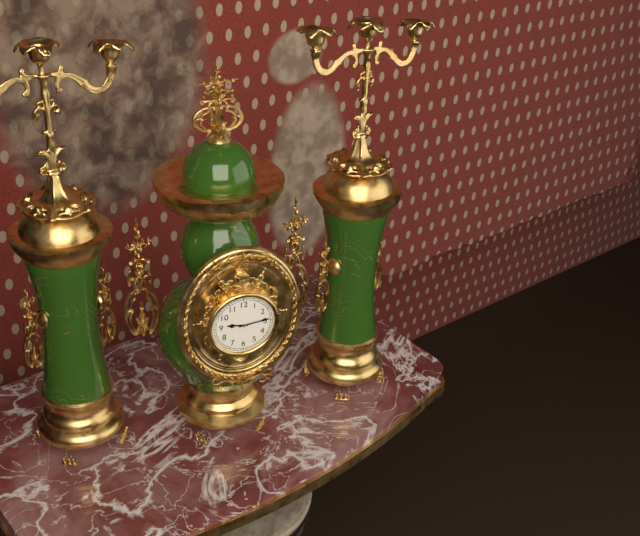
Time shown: {"hour": 9, "minute": 14}
